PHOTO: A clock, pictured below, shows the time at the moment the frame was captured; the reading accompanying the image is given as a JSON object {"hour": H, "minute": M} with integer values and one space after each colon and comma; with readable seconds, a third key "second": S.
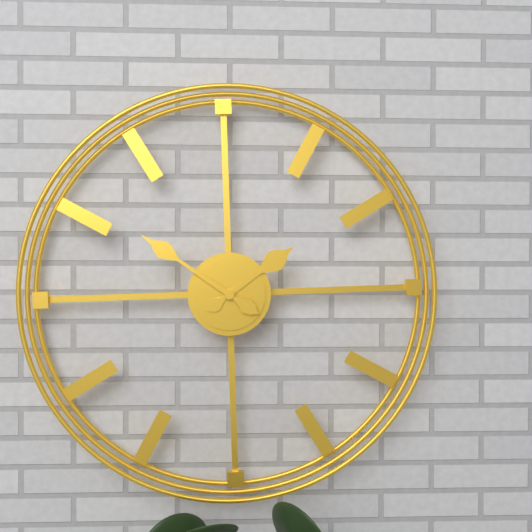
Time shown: {"hour": 1, "minute": 51}
